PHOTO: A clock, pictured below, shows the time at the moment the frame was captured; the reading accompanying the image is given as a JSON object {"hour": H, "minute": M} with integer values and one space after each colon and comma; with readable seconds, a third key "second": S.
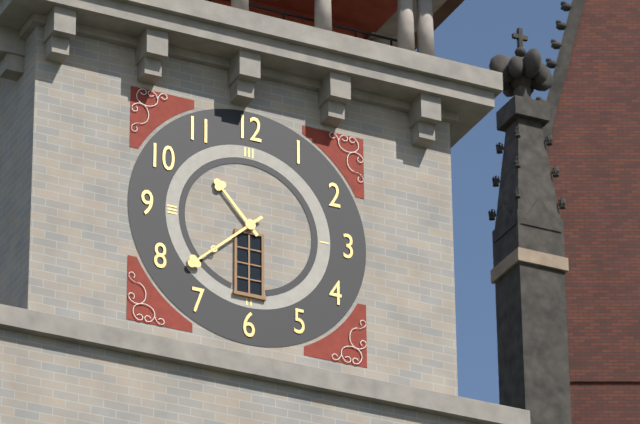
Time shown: {"hour": 10, "minute": 38}
